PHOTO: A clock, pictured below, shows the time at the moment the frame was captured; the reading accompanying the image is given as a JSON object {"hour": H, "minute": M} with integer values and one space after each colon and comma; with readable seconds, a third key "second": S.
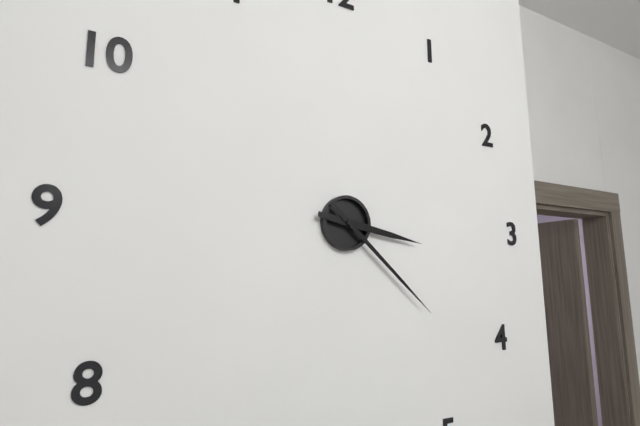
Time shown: {"hour": 3, "minute": 22}
